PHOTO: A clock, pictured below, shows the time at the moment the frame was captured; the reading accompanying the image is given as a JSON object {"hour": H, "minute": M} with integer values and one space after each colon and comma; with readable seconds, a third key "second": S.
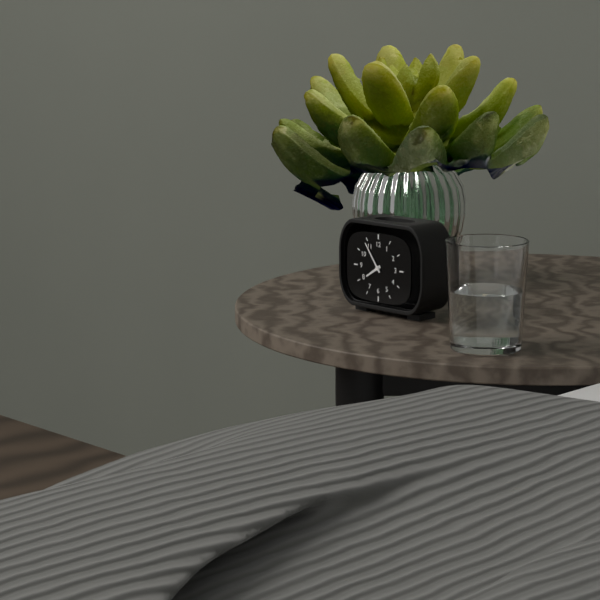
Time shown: {"hour": 7, "minute": 54}
